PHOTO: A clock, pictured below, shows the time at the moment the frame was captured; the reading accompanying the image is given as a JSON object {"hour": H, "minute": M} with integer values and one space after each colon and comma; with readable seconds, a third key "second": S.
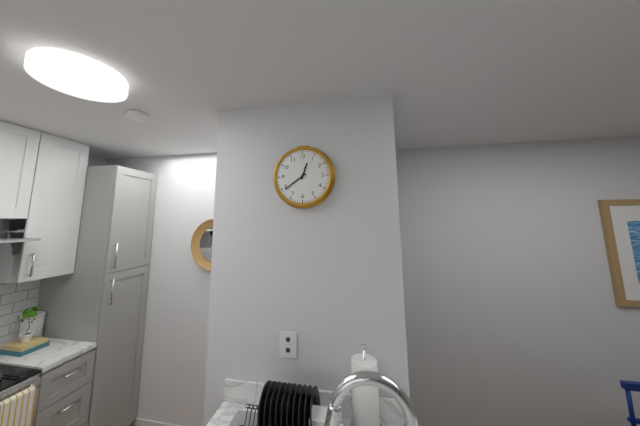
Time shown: {"hour": 12, "minute": 39}
